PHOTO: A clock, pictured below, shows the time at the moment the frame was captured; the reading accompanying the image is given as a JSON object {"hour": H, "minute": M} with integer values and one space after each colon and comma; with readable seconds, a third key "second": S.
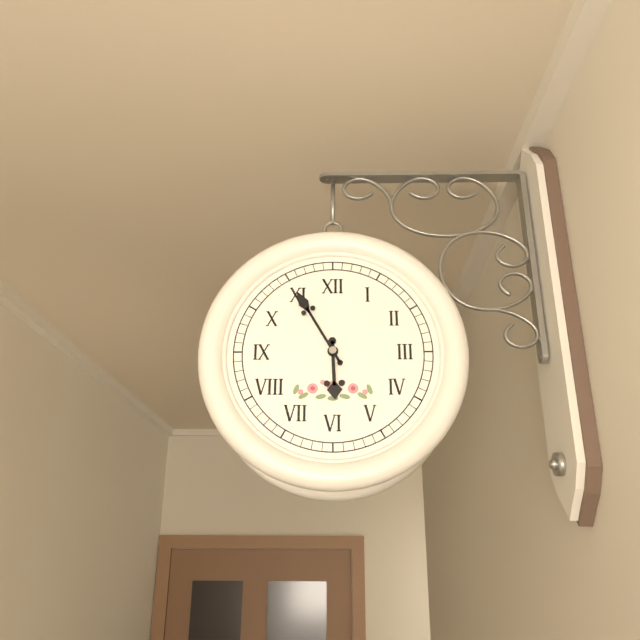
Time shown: {"hour": 5, "minute": 55}
